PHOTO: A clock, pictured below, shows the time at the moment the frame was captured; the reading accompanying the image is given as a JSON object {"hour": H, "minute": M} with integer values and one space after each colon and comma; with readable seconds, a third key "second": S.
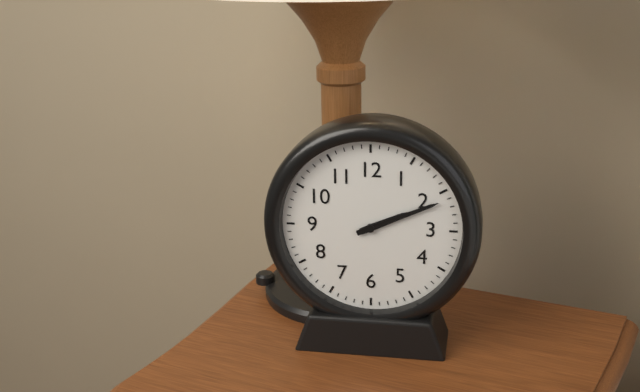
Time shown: {"hour": 2, "minute": 11}
